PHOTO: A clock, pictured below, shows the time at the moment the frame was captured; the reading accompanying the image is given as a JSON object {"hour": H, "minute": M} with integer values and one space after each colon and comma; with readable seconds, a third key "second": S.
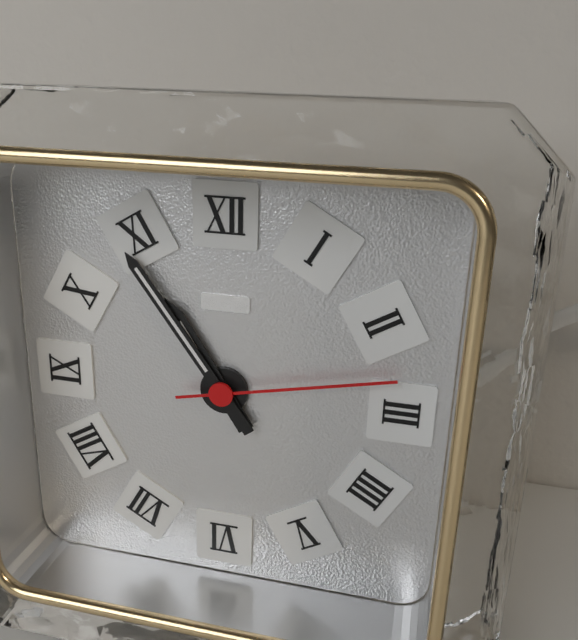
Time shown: {"hour": 10, "minute": 54, "second": 13}
